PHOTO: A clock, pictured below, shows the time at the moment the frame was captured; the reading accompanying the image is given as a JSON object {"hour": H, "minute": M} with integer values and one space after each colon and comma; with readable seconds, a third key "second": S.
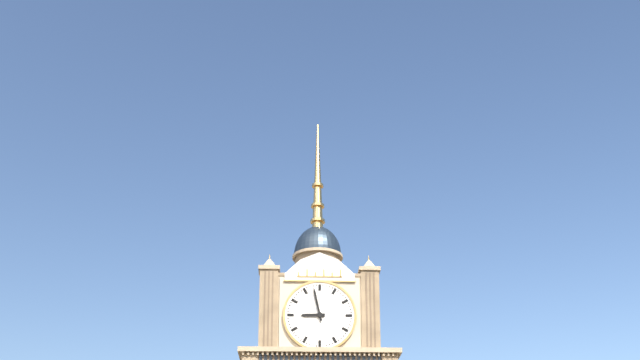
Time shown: {"hour": 8, "minute": 58}
